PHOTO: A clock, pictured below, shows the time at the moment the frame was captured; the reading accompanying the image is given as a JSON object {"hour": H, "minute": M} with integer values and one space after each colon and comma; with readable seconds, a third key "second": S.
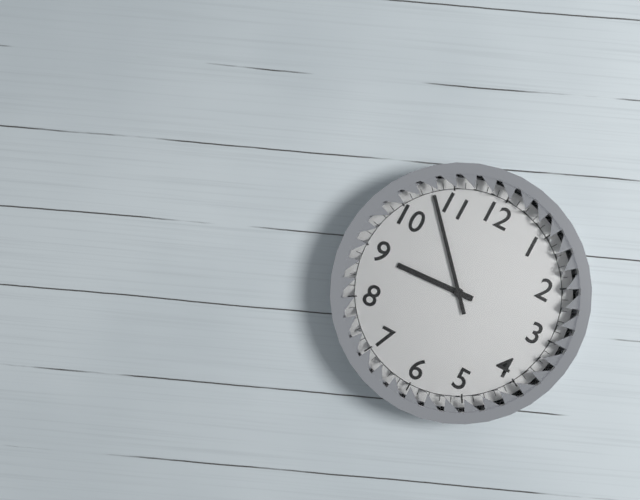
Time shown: {"hour": 8, "minute": 53}
